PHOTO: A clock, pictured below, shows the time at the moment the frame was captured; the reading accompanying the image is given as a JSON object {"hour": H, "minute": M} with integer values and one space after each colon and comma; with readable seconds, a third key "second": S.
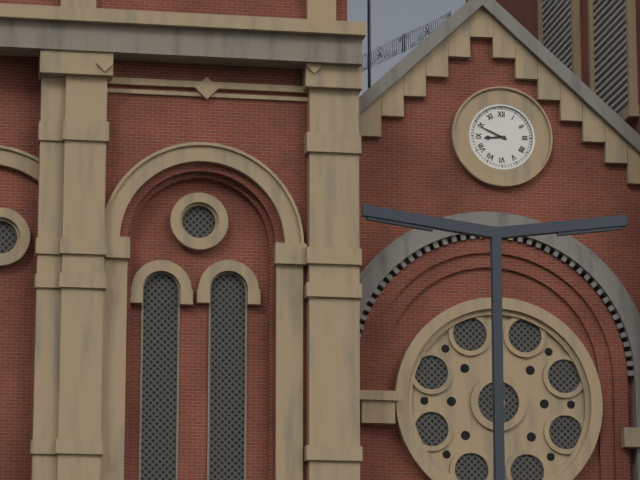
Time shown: {"hour": 8, "minute": 49}
